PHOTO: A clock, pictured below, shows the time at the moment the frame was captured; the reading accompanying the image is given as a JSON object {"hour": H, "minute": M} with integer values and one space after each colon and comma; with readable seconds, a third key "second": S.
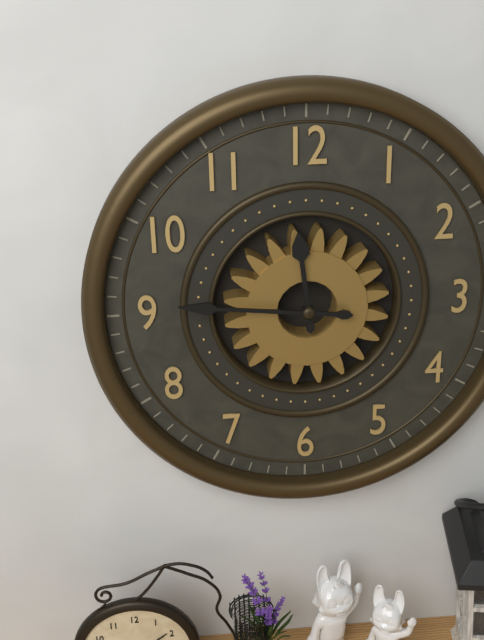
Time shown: {"hour": 11, "minute": 46}
